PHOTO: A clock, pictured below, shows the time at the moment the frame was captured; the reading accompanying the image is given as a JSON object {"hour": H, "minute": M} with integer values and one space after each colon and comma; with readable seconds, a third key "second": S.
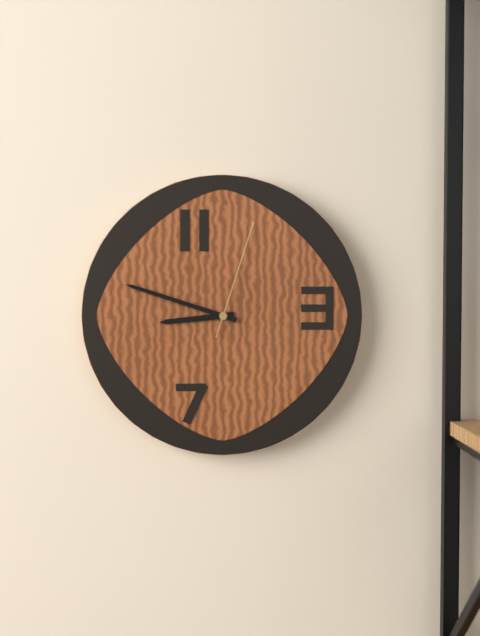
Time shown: {"hour": 8, "minute": 48, "second": 3}
